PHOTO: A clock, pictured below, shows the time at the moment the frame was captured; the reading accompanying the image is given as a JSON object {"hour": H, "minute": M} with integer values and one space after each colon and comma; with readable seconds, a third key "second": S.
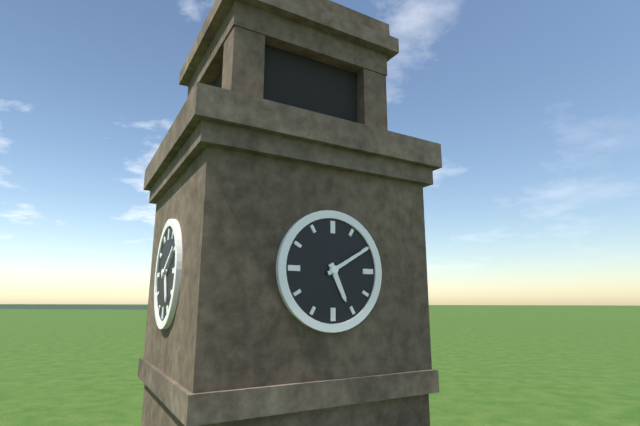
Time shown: {"hour": 5, "minute": 10}
